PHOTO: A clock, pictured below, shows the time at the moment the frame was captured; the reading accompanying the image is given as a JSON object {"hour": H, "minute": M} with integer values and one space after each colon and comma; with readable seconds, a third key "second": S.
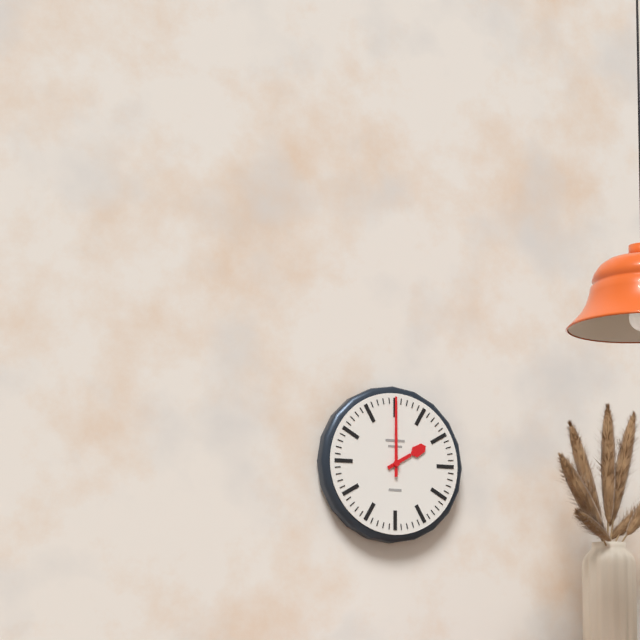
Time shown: {"hour": 2, "minute": 0}
